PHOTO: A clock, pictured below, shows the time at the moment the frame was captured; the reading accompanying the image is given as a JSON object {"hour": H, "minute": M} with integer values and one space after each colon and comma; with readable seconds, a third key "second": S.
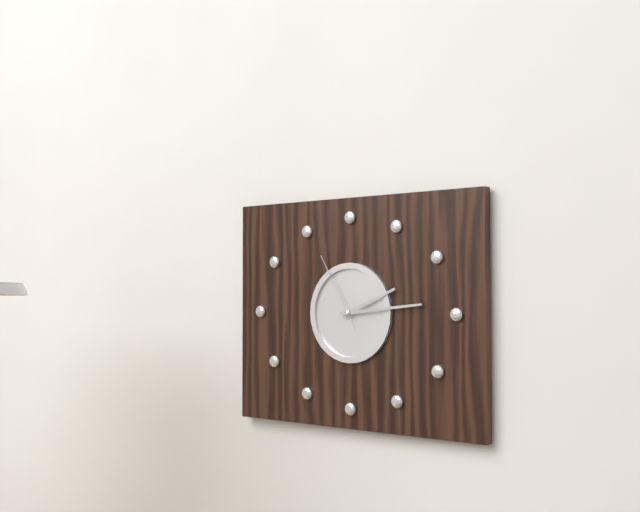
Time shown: {"hour": 2, "minute": 14, "second": 55}
